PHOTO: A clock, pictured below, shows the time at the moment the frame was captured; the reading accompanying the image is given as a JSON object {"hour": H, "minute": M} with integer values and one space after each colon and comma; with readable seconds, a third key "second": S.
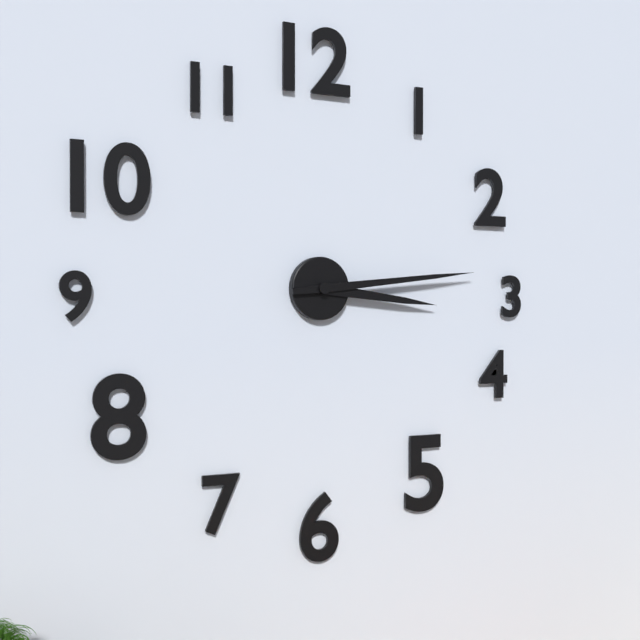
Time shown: {"hour": 3, "minute": 14}
